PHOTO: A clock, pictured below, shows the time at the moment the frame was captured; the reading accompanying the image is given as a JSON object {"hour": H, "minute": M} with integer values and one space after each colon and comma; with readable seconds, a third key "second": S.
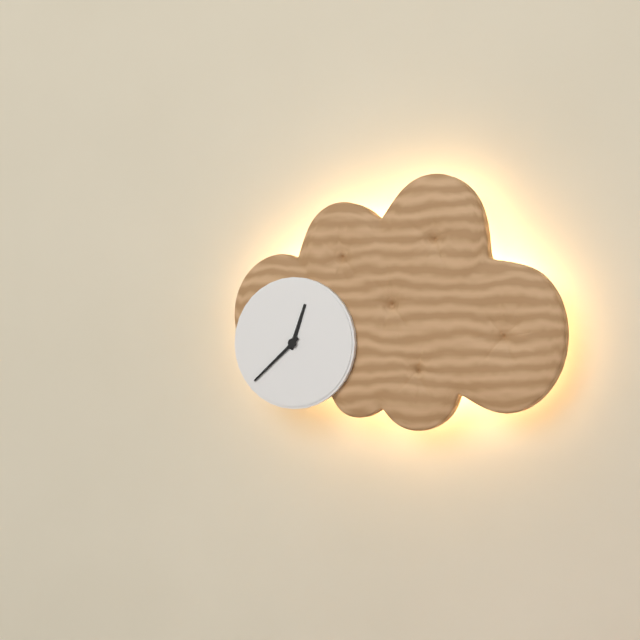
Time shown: {"hour": 12, "minute": 38}
